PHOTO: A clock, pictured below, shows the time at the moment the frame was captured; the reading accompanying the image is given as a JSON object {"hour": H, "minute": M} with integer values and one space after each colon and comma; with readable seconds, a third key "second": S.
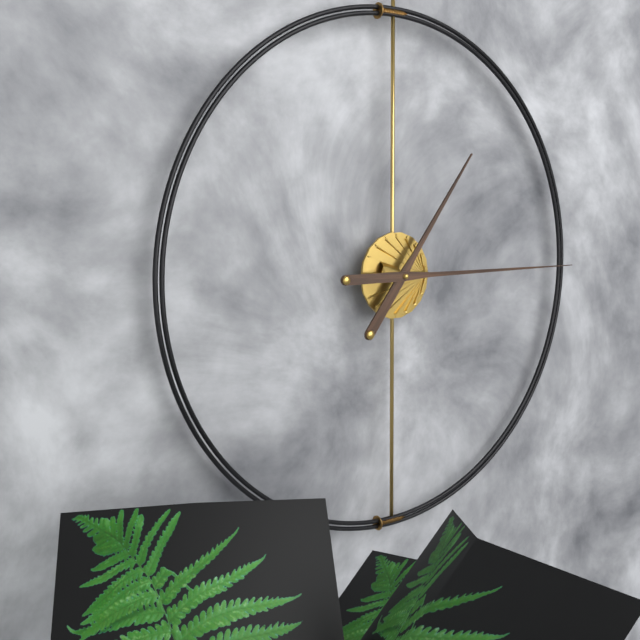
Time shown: {"hour": 1, "minute": 15}
